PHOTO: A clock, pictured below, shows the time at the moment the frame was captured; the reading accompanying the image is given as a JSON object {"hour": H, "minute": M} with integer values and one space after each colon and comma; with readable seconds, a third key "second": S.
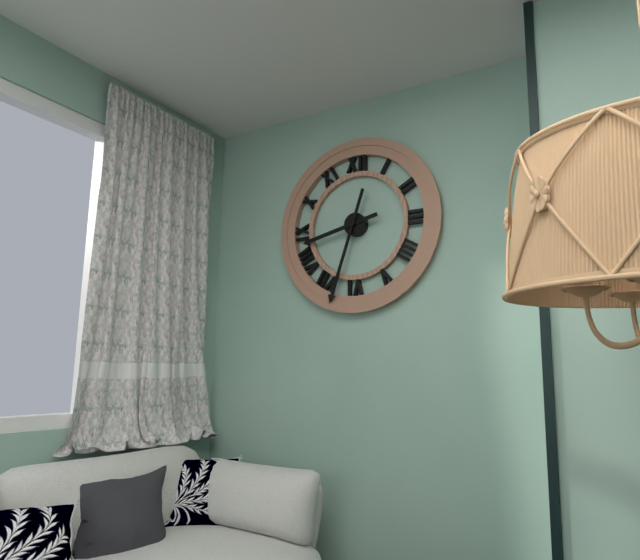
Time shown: {"hour": 8, "minute": 33}
